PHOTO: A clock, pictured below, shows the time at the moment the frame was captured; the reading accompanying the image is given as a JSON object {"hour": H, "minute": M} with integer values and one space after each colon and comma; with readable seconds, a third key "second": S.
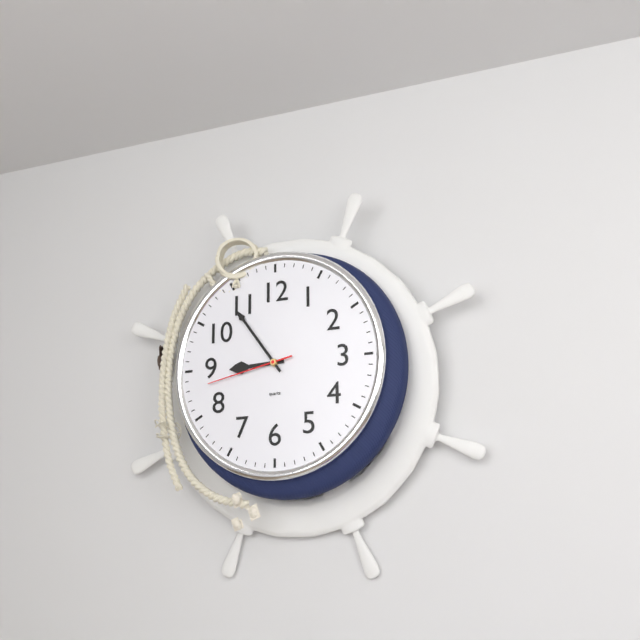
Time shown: {"hour": 8, "minute": 54, "second": 43}
